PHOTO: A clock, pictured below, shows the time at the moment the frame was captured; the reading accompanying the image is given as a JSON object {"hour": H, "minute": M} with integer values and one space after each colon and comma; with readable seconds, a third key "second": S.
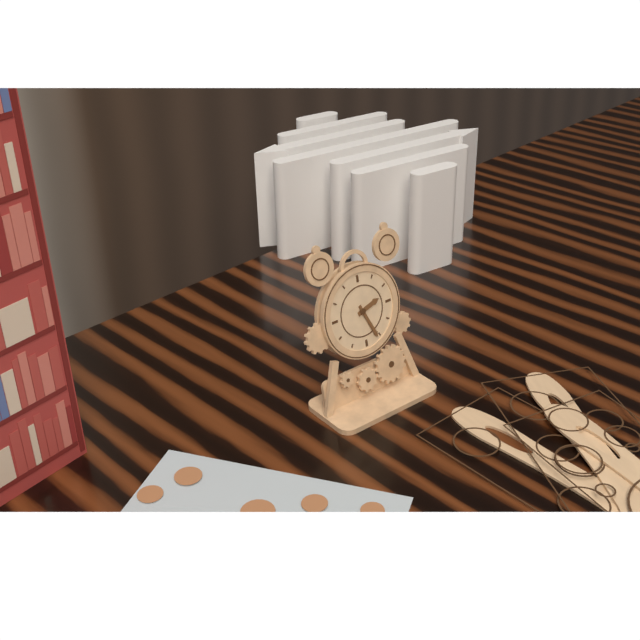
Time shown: {"hour": 2, "minute": 26}
